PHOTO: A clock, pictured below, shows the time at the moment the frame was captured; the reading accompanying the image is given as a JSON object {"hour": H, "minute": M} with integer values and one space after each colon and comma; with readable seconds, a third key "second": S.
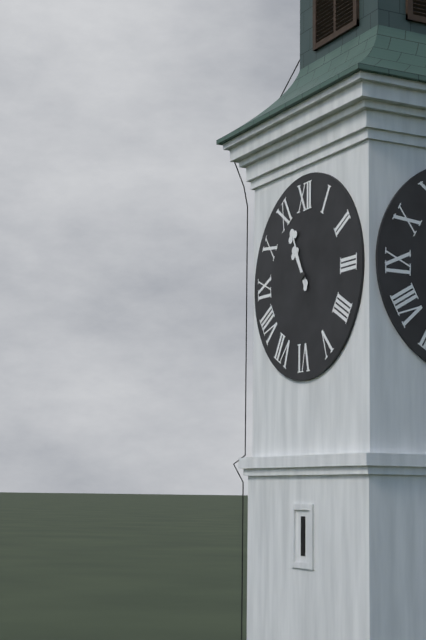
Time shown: {"hour": 10, "minute": 56}
